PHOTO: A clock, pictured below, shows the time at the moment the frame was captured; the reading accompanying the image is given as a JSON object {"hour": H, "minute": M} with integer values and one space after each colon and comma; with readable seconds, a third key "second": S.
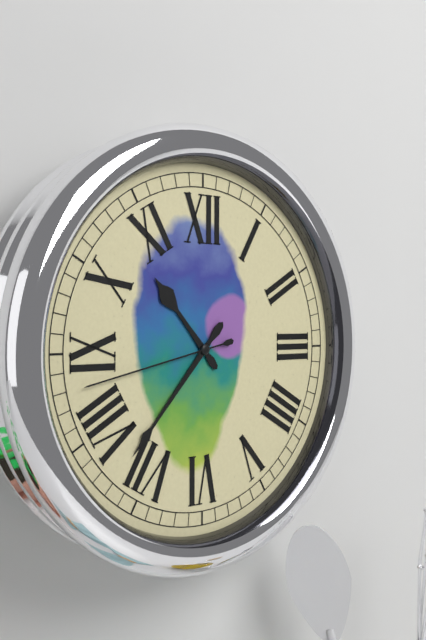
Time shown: {"hour": 10, "minute": 37, "second": 43}
